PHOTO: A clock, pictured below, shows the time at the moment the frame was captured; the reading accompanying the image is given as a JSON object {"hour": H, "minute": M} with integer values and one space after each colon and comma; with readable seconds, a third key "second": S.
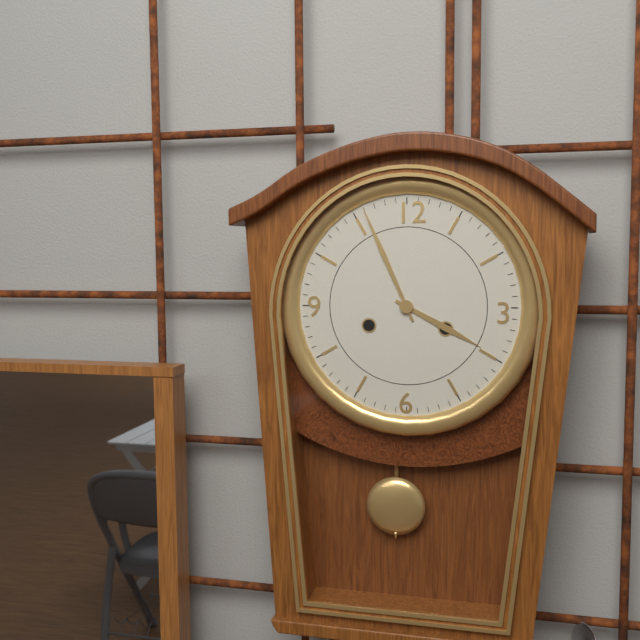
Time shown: {"hour": 3, "minute": 56}
